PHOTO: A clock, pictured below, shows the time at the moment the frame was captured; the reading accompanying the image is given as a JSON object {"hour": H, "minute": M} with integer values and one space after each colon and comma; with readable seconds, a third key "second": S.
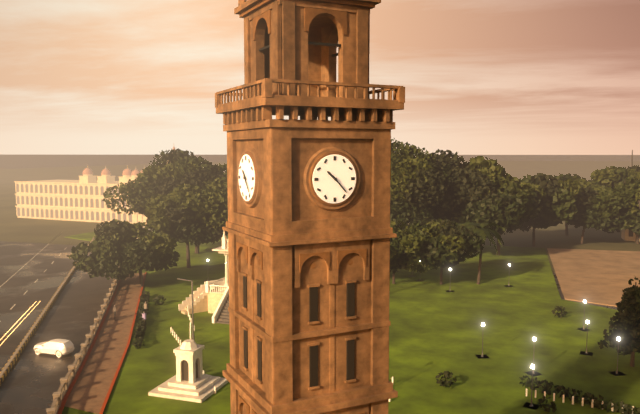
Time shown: {"hour": 10, "minute": 23}
